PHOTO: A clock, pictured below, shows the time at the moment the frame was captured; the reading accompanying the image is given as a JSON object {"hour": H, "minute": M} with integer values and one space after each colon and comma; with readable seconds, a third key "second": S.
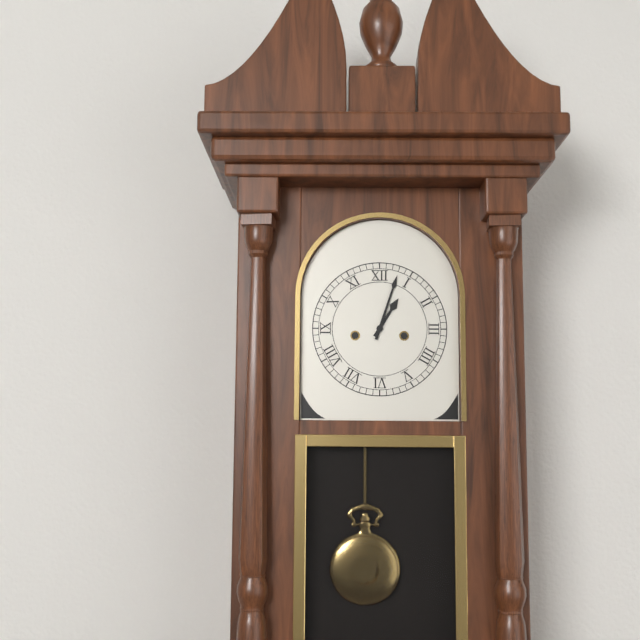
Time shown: {"hour": 1, "minute": 3}
